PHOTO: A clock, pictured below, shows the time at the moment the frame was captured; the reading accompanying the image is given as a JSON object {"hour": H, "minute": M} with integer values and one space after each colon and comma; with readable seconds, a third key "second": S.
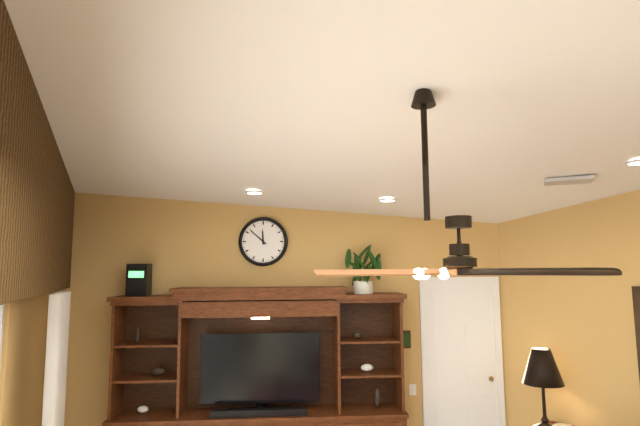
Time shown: {"hour": 11, "minute": 52}
